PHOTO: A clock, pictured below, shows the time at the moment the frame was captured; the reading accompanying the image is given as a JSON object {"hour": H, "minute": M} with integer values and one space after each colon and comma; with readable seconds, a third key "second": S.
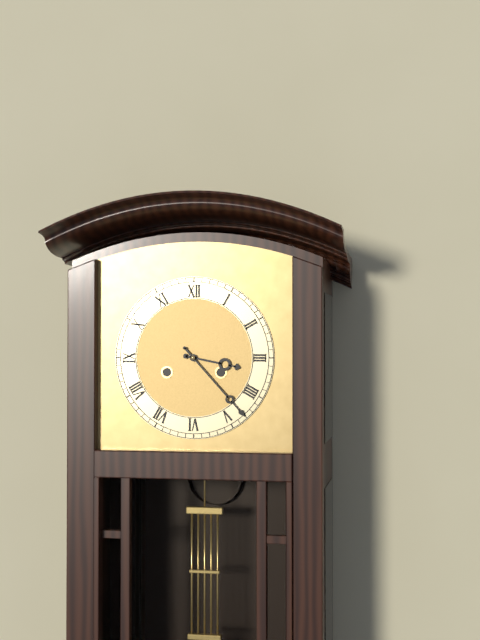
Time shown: {"hour": 3, "minute": 23}
